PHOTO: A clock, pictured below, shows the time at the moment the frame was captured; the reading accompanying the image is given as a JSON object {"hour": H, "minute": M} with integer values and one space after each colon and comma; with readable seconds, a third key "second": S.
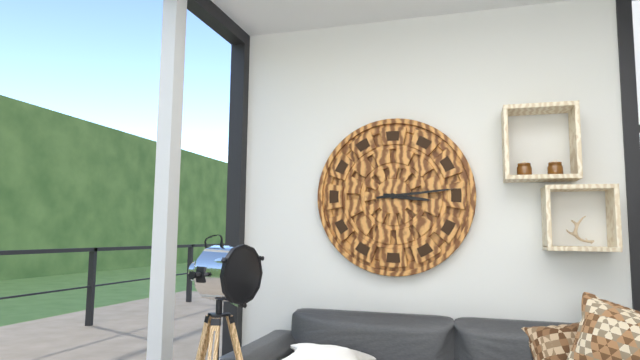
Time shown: {"hour": 3, "minute": 14}
